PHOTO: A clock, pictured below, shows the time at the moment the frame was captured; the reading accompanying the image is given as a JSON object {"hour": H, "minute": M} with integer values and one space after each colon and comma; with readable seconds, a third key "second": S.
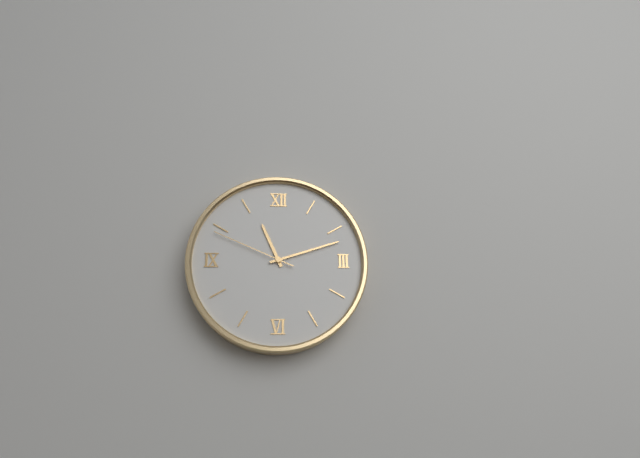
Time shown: {"hour": 11, "minute": 12, "second": 49}
